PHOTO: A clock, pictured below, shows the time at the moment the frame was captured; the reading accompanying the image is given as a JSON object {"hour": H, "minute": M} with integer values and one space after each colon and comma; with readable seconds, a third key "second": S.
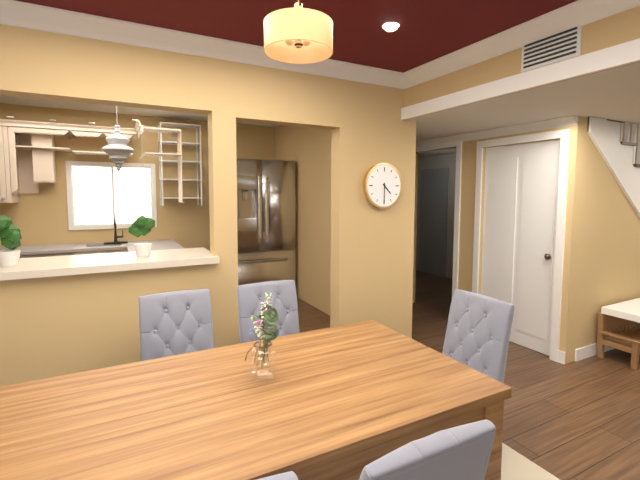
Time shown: {"hour": 4, "minute": 30}
